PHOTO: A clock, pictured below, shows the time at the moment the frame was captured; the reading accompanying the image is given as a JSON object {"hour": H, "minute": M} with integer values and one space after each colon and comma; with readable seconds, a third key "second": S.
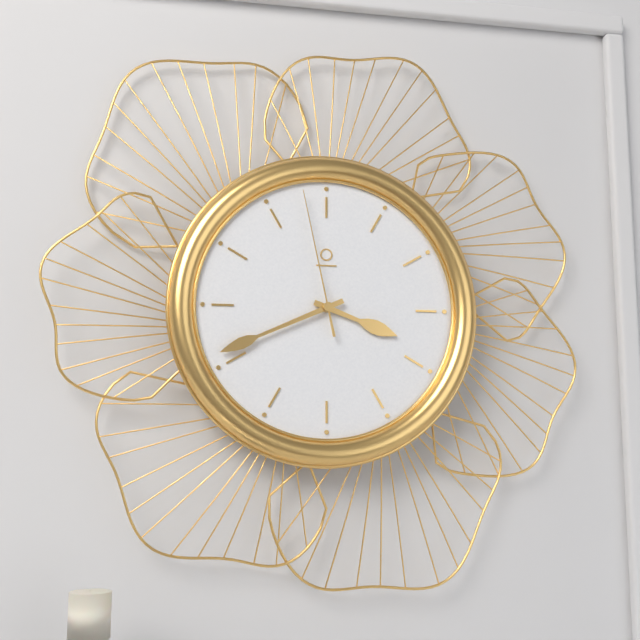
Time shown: {"hour": 3, "minute": 41, "second": 58}
